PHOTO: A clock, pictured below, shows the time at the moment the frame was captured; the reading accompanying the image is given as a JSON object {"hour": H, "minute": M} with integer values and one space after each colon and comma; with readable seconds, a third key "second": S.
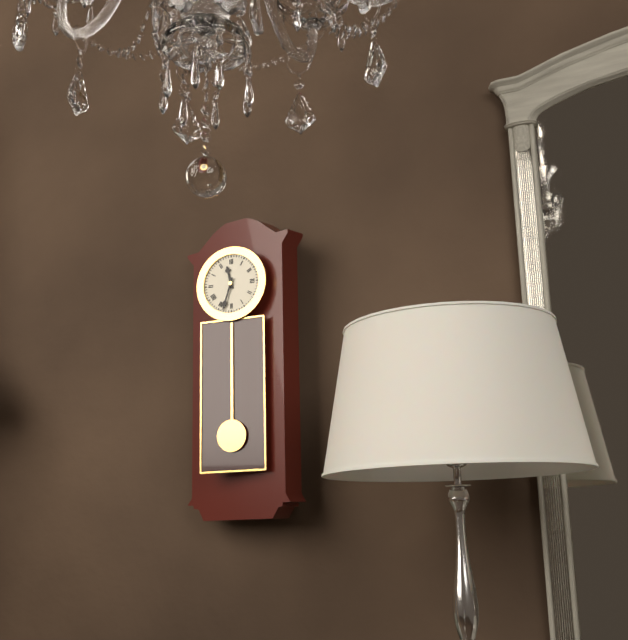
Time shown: {"hour": 11, "minute": 33}
